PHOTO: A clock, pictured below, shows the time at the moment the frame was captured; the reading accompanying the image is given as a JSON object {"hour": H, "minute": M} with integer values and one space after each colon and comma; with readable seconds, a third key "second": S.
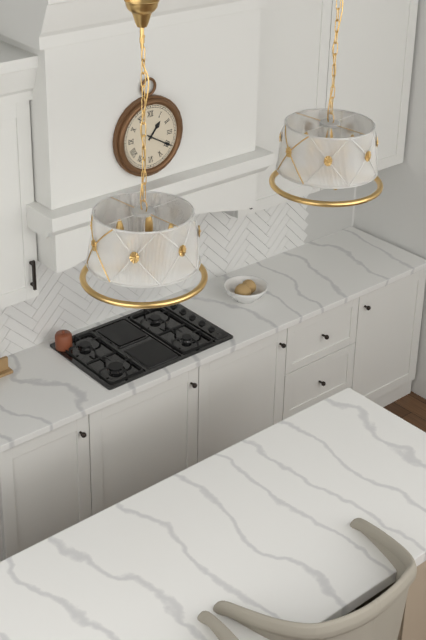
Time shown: {"hour": 1, "minute": 20}
